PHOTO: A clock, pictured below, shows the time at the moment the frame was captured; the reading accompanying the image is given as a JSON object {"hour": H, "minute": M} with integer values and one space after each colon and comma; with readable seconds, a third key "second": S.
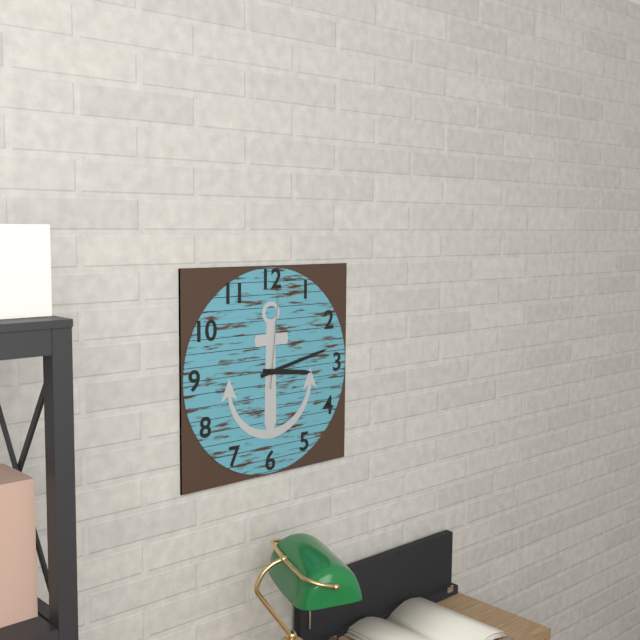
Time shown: {"hour": 3, "minute": 13, "second": 1}
